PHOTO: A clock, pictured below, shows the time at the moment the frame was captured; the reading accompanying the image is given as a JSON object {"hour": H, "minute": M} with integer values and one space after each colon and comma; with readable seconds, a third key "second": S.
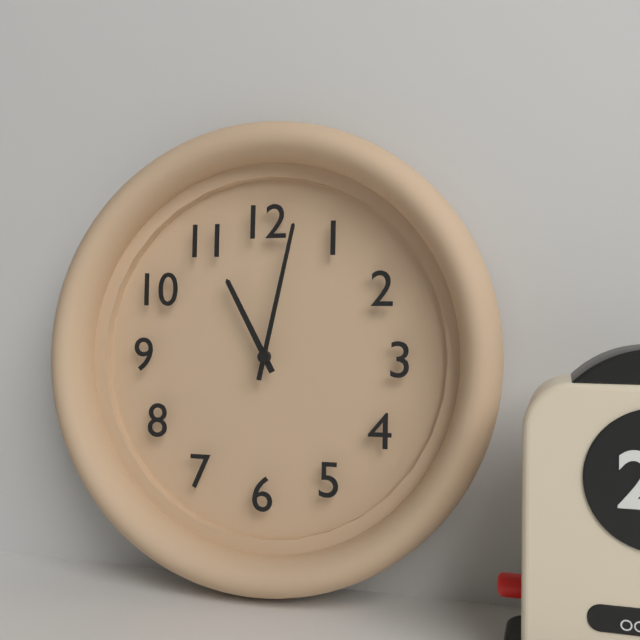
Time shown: {"hour": 11, "minute": 2}
